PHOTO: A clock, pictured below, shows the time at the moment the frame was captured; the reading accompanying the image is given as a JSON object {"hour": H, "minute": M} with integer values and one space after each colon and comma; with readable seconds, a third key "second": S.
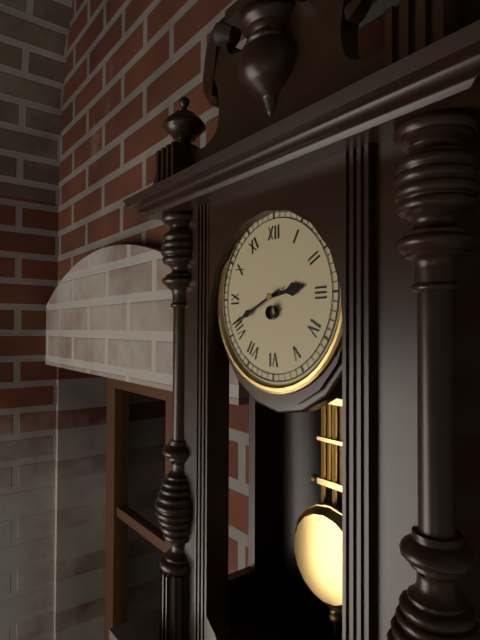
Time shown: {"hour": 2, "minute": 41}
